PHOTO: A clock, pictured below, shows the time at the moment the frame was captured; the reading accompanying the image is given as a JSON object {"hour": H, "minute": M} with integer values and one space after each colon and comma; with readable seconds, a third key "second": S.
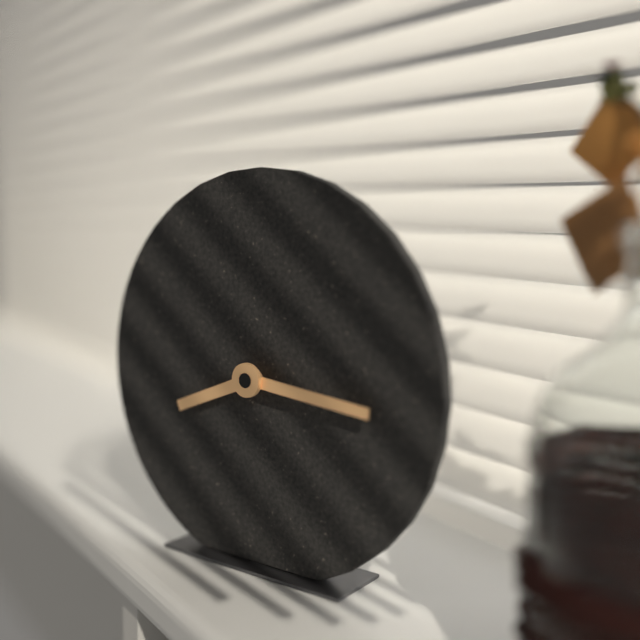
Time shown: {"hour": 8, "minute": 16}
